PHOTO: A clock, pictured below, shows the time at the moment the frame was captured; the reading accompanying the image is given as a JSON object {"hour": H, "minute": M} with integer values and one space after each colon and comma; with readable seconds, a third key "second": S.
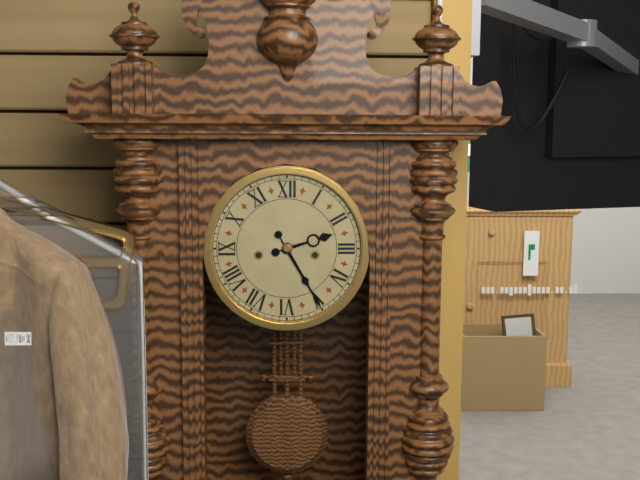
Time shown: {"hour": 2, "minute": 25}
